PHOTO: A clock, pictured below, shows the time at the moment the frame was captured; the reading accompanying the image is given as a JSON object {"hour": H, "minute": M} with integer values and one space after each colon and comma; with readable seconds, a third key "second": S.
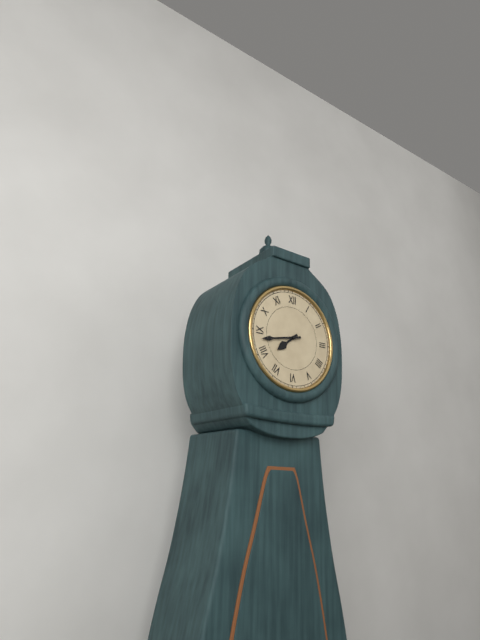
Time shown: {"hour": 7, "minute": 43}
